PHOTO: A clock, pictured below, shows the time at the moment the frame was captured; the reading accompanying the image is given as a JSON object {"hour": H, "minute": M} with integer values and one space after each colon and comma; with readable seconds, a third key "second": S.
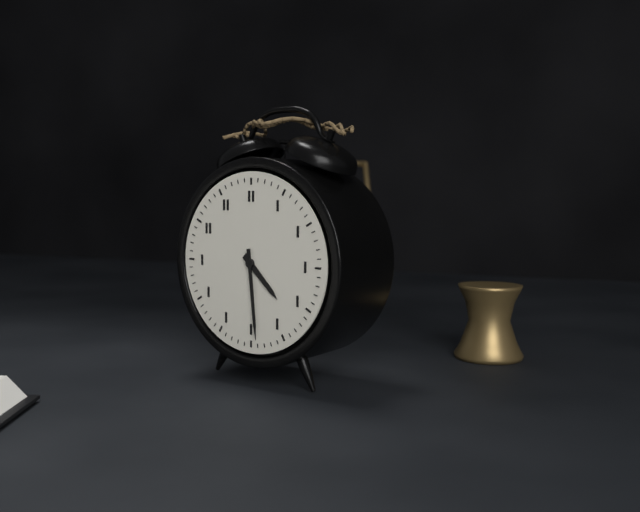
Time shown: {"hour": 4, "minute": 29}
